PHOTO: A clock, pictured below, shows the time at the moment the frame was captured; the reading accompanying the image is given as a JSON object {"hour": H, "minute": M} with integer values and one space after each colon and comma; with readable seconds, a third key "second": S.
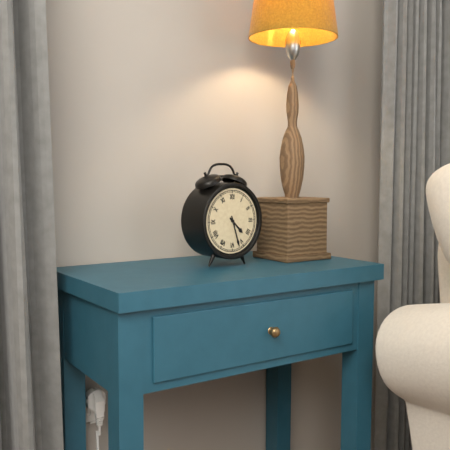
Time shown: {"hour": 4, "minute": 27}
